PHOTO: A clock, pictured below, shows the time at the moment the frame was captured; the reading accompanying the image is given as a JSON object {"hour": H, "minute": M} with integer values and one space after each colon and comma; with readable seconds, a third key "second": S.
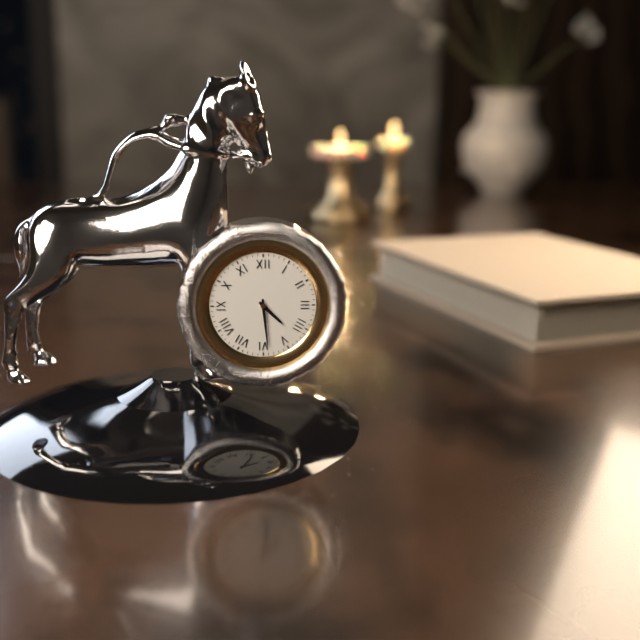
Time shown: {"hour": 4, "minute": 29}
